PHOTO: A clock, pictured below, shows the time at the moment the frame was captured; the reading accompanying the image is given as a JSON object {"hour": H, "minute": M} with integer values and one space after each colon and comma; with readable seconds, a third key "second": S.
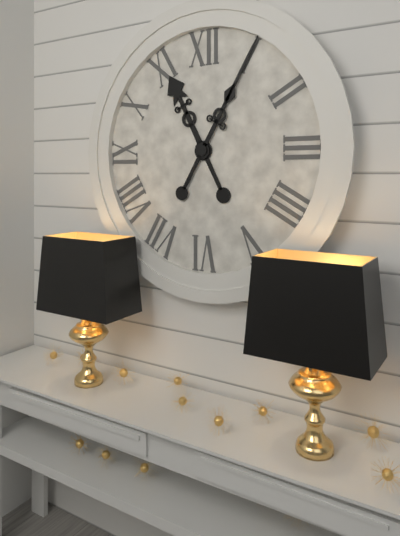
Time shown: {"hour": 11, "minute": 5}
